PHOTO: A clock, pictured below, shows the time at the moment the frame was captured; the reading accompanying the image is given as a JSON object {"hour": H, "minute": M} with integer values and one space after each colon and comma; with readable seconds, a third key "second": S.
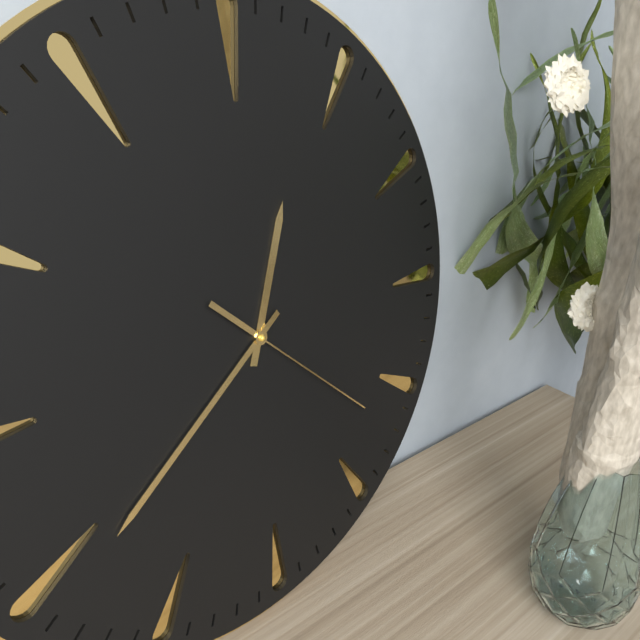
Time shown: {"hour": 12, "minute": 39, "second": 22}
